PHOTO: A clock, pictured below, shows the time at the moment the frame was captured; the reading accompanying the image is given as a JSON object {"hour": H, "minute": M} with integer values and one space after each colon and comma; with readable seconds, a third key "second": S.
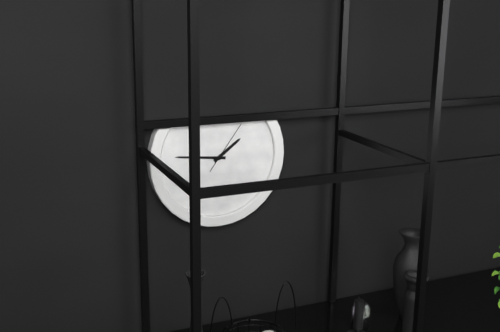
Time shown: {"hour": 1, "minute": 46, "second": 6}
